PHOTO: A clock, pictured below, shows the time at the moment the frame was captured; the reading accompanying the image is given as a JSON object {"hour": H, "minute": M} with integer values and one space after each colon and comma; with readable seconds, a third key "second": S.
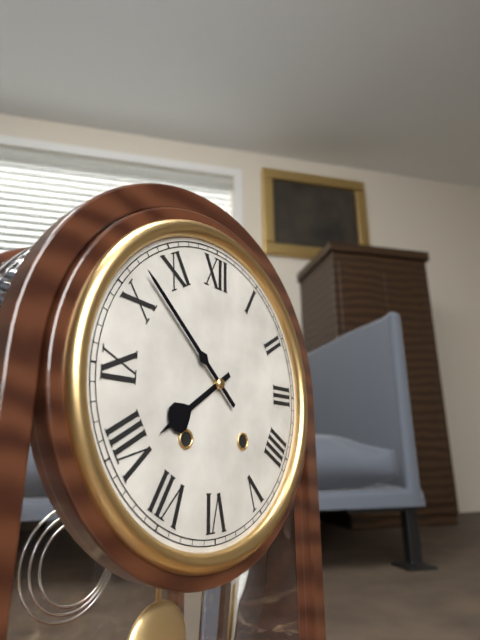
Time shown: {"hour": 7, "minute": 52}
